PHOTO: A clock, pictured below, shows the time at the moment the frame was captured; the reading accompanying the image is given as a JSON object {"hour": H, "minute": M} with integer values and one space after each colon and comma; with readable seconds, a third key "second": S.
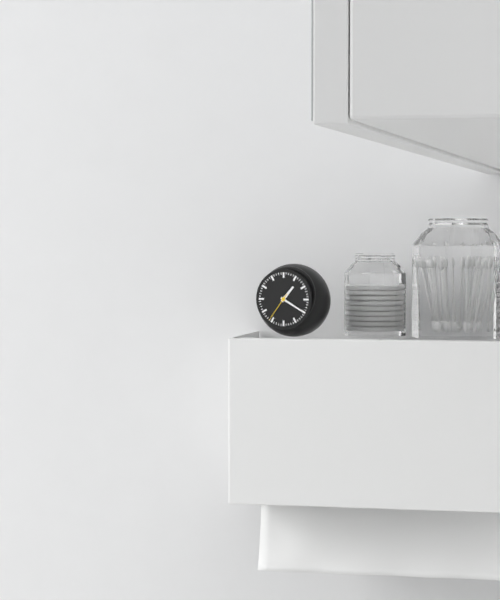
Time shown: {"hour": 1, "minute": 20}
